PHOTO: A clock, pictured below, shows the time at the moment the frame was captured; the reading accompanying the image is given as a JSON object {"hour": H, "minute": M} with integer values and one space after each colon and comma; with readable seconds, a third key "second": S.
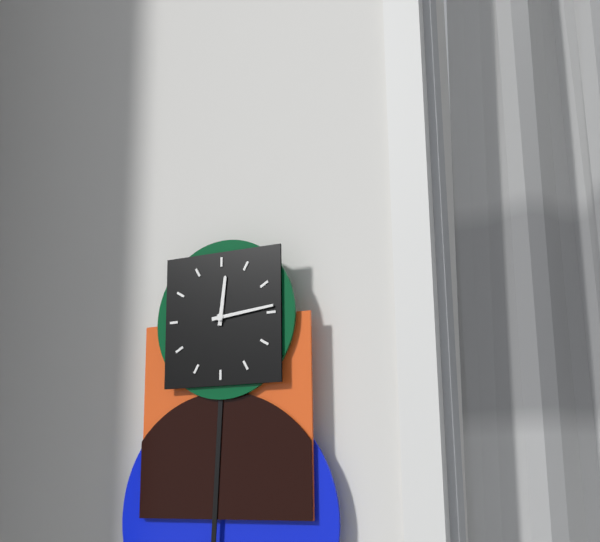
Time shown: {"hour": 12, "minute": 14}
